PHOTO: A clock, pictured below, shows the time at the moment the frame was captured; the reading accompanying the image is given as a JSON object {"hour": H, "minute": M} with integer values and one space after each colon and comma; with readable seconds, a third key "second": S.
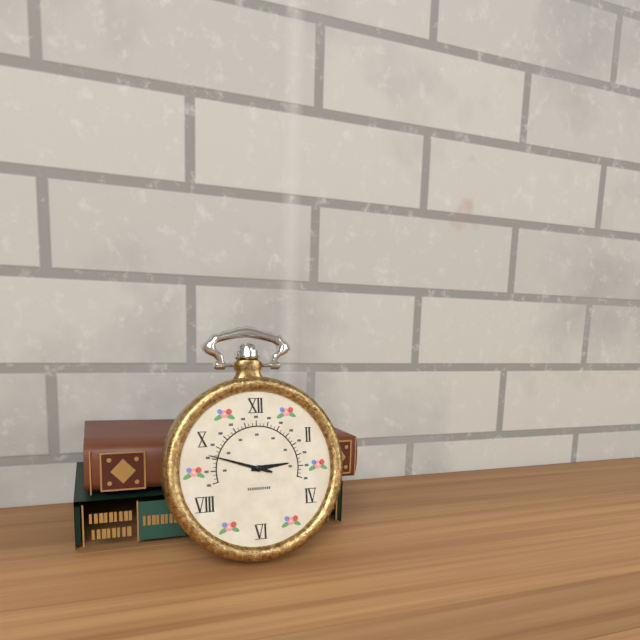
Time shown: {"hour": 2, "minute": 48}
